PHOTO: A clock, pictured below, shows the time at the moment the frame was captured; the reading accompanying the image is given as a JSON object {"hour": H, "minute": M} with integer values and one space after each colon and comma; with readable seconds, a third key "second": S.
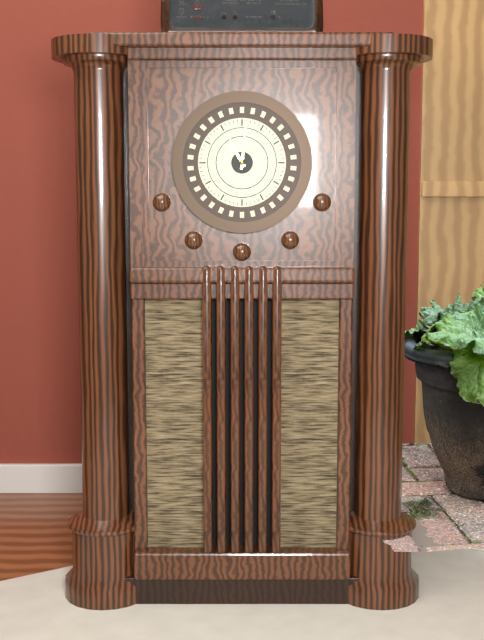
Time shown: {"hour": 11, "minute": 1}
